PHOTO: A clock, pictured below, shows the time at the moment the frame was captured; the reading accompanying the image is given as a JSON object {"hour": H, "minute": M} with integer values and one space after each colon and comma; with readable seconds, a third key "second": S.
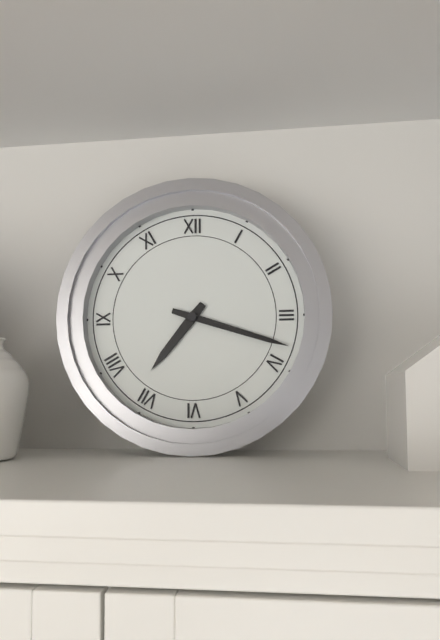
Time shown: {"hour": 7, "minute": 18}
